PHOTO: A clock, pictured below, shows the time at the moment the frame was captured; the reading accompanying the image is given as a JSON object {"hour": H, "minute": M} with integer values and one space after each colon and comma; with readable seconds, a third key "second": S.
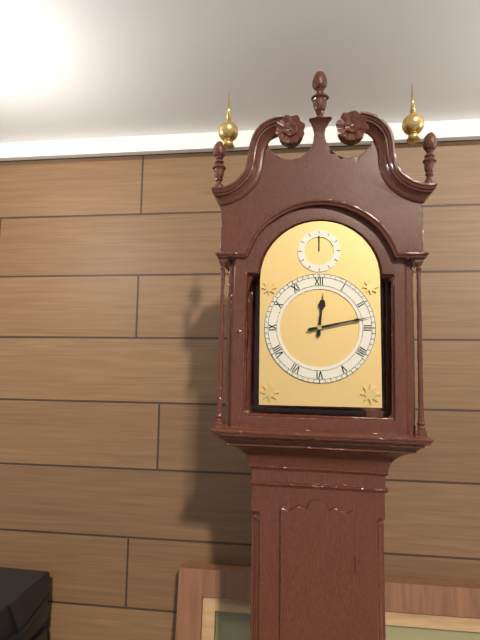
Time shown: {"hour": 12, "minute": 13}
